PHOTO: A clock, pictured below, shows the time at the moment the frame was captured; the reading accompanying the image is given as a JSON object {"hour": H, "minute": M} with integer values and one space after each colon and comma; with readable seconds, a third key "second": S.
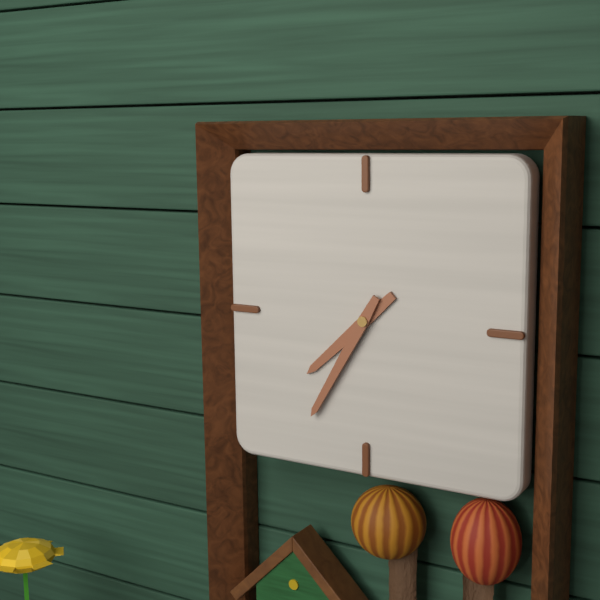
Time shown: {"hour": 7, "minute": 35}
